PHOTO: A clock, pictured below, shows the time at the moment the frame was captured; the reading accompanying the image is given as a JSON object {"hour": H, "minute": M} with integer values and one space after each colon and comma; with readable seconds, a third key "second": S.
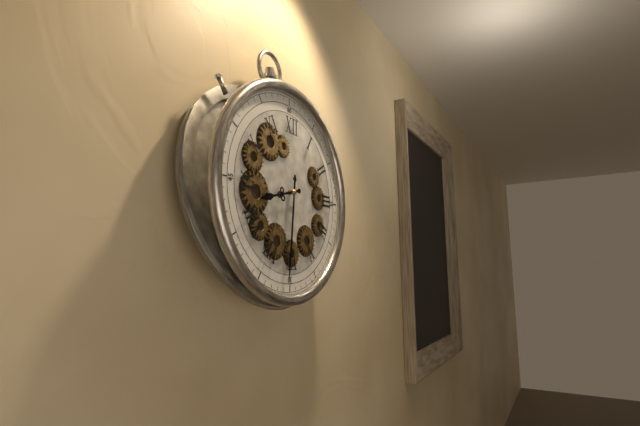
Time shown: {"hour": 8, "minute": 31}
